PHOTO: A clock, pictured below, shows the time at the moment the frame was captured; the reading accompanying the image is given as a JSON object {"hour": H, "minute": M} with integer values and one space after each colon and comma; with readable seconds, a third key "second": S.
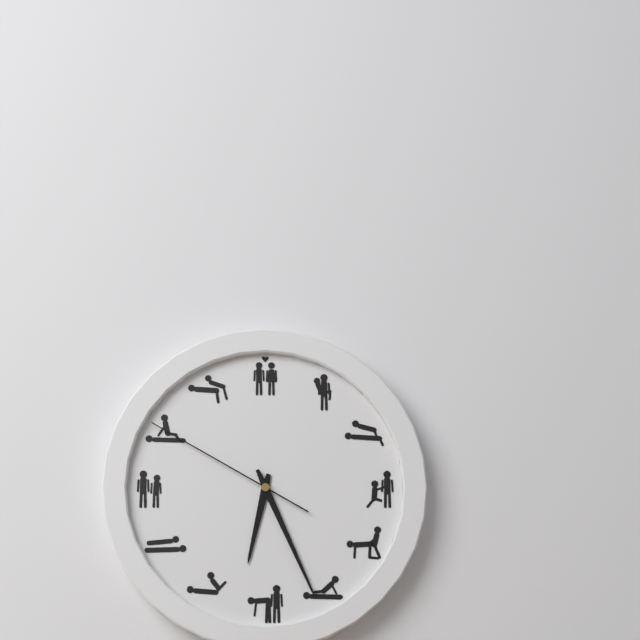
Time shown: {"hour": 6, "minute": 26, "second": 50}
